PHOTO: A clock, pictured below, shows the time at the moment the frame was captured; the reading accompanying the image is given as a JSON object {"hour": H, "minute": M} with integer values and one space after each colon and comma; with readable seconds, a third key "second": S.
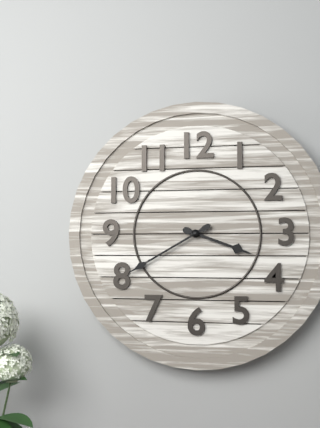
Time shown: {"hour": 3, "minute": 40}
